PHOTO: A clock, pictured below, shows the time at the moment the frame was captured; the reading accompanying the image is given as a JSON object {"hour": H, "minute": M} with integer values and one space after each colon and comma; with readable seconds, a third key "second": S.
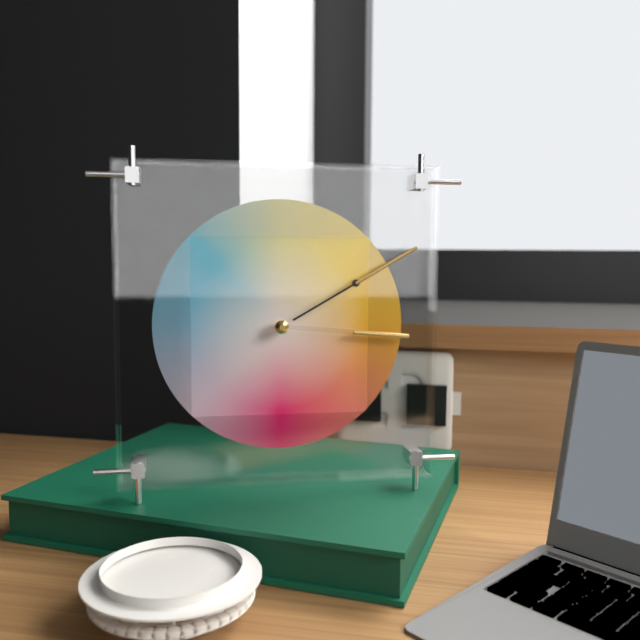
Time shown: {"hour": 3, "minute": 10}
